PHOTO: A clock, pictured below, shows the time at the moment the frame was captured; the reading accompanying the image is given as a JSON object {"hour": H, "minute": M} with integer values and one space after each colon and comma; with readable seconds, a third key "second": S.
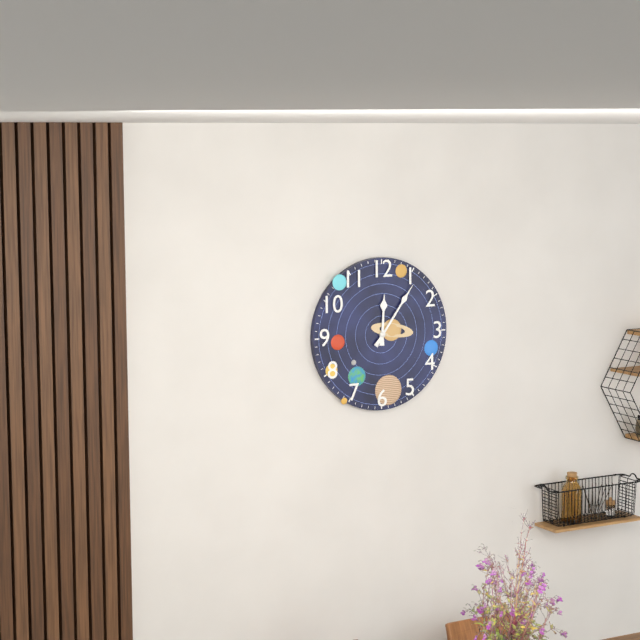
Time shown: {"hour": 12, "minute": 6}
